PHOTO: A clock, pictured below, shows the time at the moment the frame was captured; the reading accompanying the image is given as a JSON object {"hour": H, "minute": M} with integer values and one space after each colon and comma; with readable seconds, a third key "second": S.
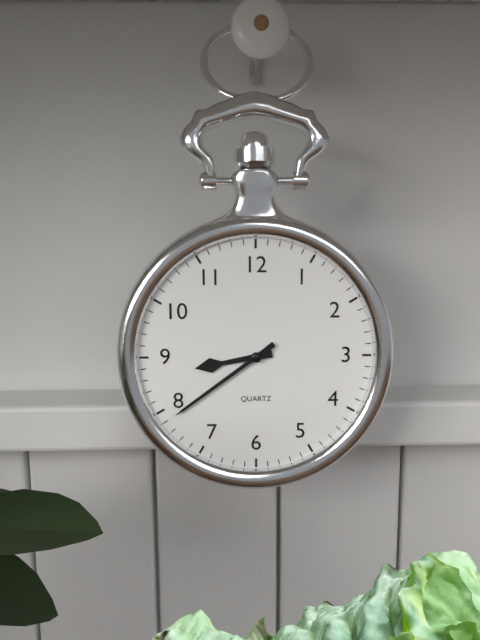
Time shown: {"hour": 8, "minute": 39}
